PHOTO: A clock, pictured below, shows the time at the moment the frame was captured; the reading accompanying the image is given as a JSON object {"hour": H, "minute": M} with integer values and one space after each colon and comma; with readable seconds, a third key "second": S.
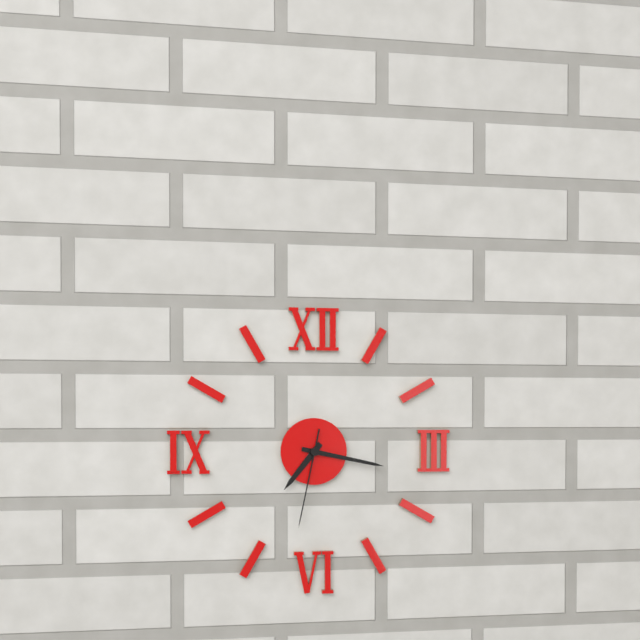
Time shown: {"hour": 7, "minute": 17, "second": 32}
